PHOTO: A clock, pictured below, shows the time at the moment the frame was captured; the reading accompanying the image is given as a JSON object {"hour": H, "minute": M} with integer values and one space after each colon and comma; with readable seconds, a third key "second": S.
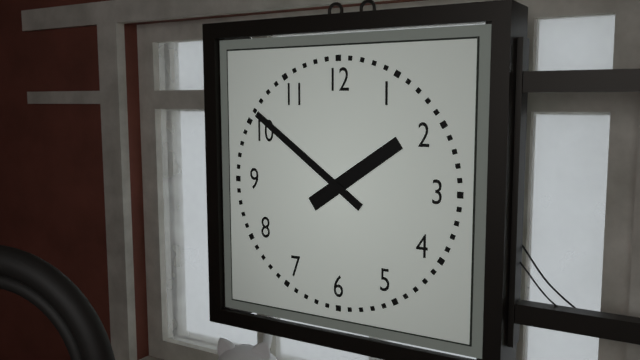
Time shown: {"hour": 1, "minute": 51}
